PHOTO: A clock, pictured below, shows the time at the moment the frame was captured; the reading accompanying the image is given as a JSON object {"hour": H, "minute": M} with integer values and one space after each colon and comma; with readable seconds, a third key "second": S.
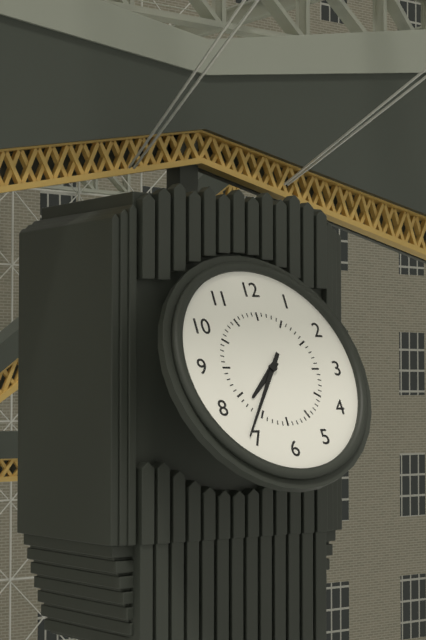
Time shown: {"hour": 7, "minute": 36}
